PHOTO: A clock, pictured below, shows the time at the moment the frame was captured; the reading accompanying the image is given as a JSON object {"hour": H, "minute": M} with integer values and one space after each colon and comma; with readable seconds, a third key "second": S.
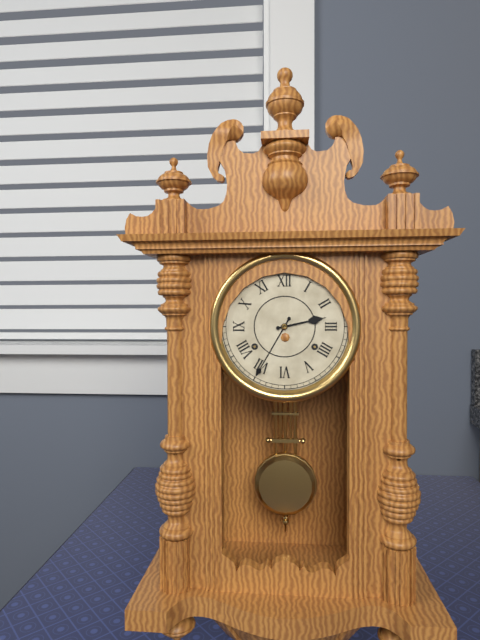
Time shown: {"hour": 2, "minute": 35}
